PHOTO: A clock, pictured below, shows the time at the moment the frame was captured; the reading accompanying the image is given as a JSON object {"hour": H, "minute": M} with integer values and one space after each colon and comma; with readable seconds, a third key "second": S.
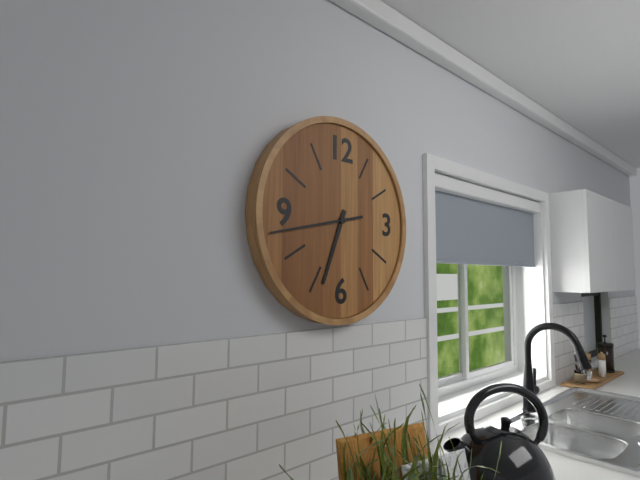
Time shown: {"hour": 6, "minute": 43}
